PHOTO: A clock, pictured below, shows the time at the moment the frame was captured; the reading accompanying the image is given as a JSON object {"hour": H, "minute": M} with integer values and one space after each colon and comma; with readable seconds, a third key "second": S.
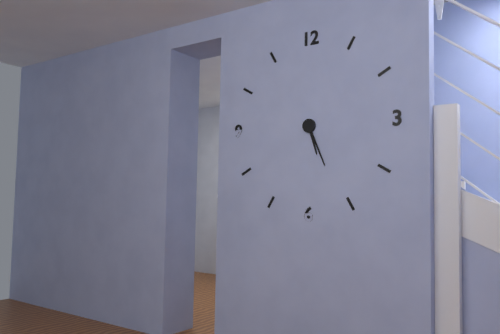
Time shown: {"hour": 5, "minute": 26}
